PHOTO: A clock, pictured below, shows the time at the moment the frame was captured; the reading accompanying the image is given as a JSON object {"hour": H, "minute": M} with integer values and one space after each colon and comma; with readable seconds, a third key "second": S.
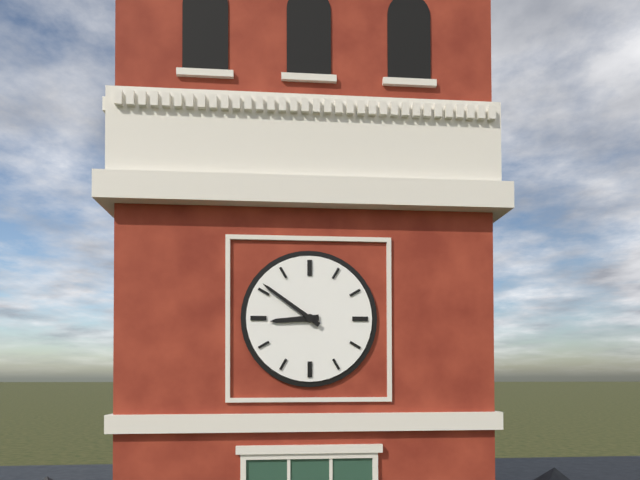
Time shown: {"hour": 8, "minute": 51}
